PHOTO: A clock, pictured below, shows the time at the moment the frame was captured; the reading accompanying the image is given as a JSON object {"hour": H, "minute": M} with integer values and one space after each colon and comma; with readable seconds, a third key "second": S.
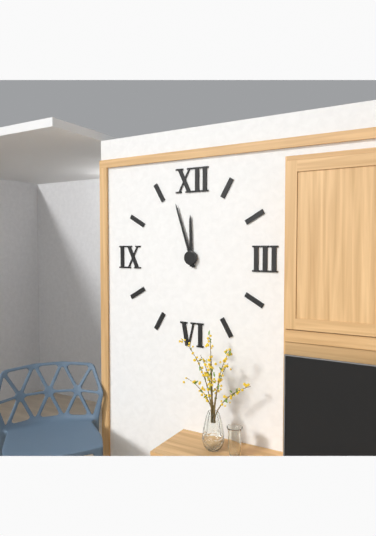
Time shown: {"hour": 11, "minute": 57}
